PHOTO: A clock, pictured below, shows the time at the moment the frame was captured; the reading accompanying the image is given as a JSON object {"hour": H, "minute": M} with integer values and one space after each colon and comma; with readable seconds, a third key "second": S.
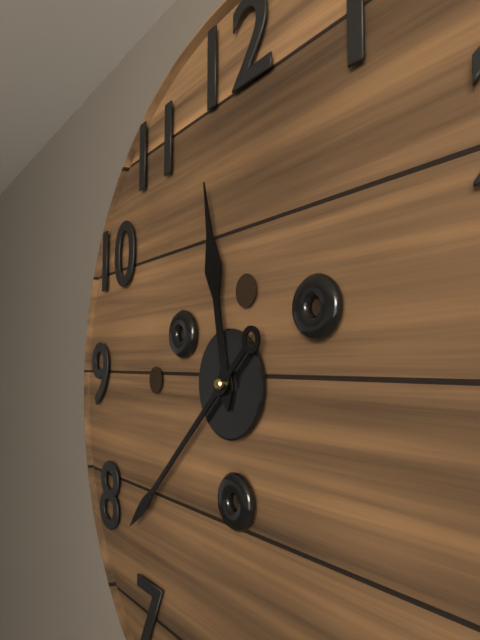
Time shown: {"hour": 11, "minute": 38}
